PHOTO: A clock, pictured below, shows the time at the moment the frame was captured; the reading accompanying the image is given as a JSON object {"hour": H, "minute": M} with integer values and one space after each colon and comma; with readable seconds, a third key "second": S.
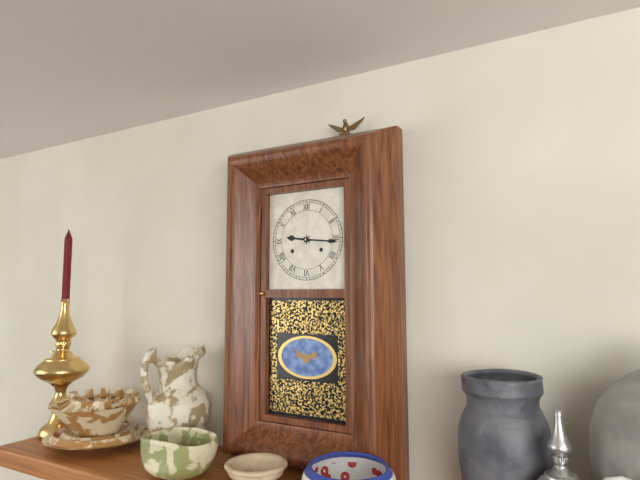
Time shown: {"hour": 9, "minute": 16}
